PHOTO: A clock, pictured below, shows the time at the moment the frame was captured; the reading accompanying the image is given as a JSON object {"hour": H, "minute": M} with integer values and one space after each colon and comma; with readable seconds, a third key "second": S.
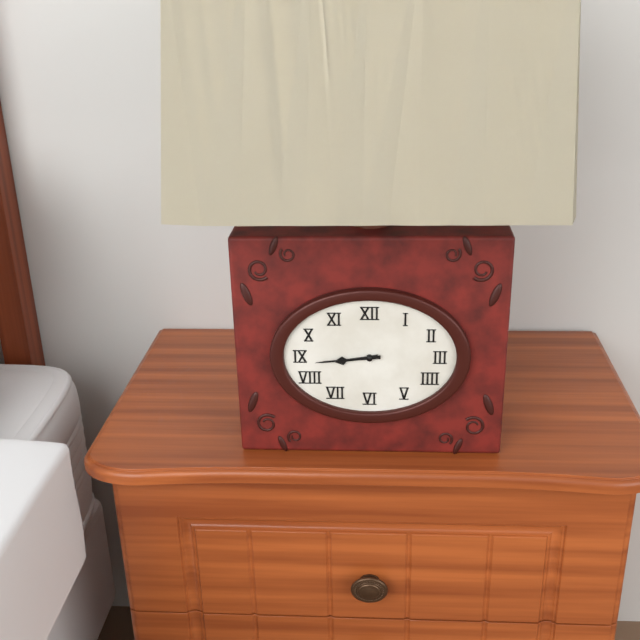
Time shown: {"hour": 8, "minute": 44}
